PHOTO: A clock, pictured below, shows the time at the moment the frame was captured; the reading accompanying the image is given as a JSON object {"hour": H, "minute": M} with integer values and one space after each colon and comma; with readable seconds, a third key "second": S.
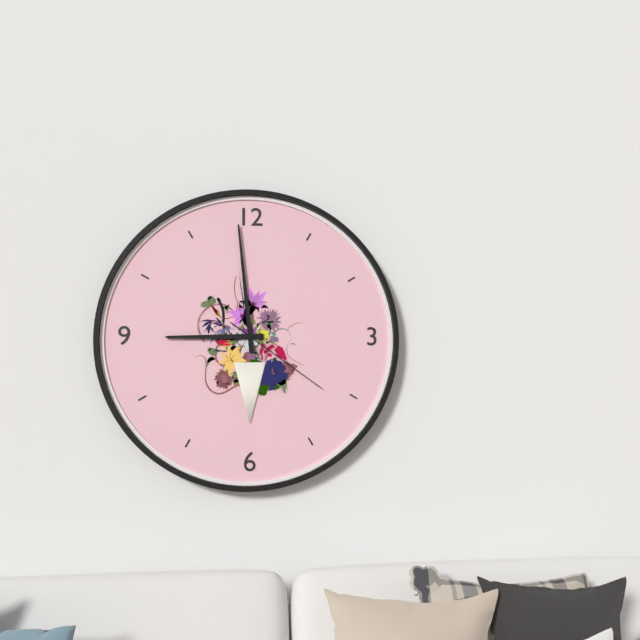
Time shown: {"hour": 8, "minute": 59, "second": 21}
